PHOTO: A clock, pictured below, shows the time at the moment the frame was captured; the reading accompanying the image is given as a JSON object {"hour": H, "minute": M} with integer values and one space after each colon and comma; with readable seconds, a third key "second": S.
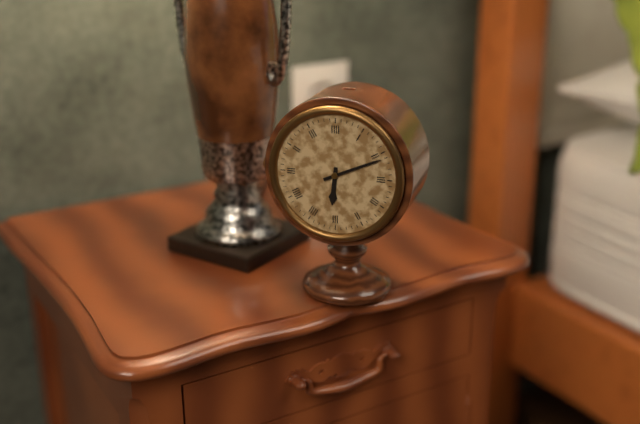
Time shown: {"hour": 6, "minute": 11}
